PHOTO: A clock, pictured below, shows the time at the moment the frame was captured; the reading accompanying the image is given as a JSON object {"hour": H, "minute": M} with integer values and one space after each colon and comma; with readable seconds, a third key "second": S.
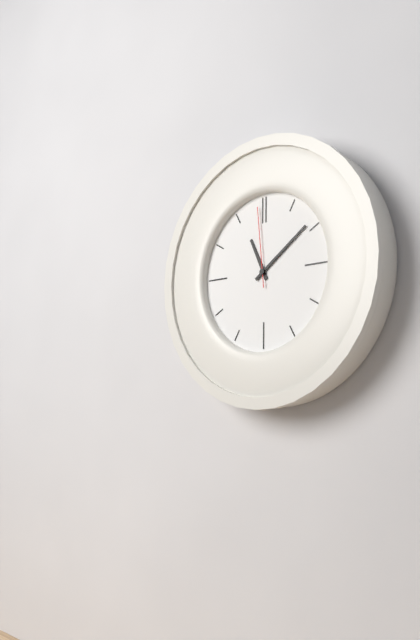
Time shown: {"hour": 11, "minute": 9, "second": 59}
